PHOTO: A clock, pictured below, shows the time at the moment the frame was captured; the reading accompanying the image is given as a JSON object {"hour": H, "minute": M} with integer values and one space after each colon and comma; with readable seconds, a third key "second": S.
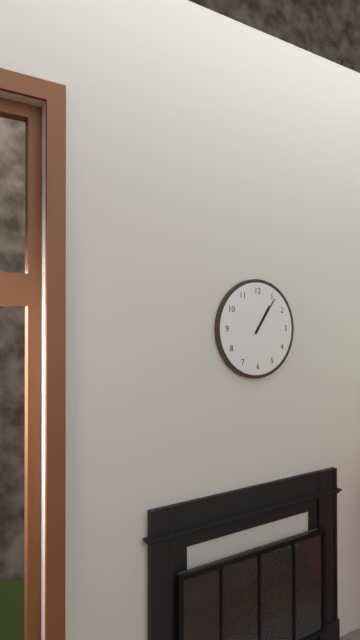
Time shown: {"hour": 1, "minute": 6}
